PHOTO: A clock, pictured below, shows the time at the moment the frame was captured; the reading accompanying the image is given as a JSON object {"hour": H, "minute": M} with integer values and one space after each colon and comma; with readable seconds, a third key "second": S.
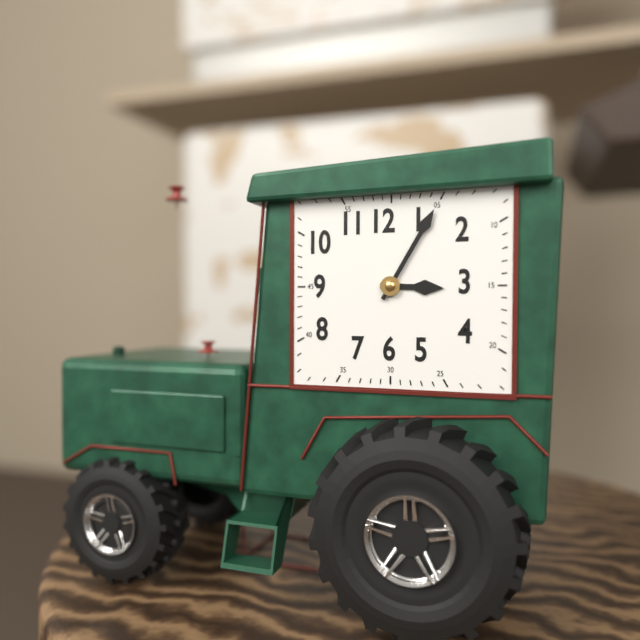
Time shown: {"hour": 3, "minute": 5}
